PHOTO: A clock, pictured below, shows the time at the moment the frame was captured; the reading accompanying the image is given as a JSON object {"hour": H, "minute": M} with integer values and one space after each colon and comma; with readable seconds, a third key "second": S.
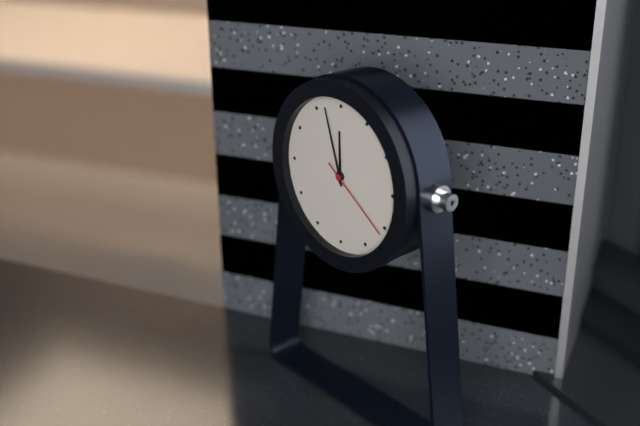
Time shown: {"hour": 11, "minute": 57, "second": 21}
